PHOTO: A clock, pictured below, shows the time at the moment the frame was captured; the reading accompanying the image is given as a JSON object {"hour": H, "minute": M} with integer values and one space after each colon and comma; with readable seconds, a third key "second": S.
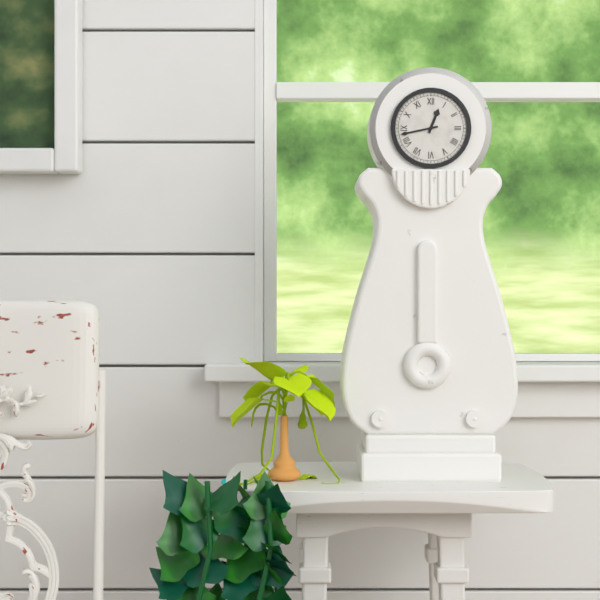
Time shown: {"hour": 12, "minute": 43}
